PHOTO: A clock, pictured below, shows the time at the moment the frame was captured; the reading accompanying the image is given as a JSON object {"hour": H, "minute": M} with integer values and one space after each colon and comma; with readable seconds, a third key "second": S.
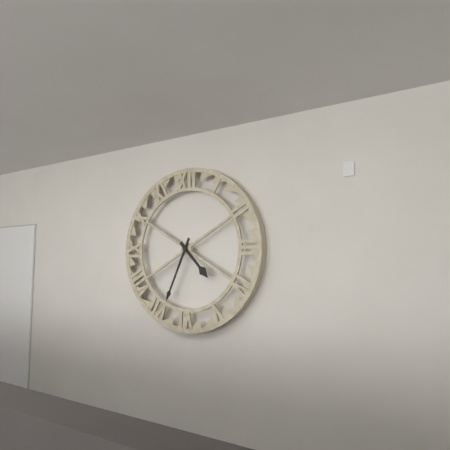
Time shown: {"hour": 4, "minute": 34}
